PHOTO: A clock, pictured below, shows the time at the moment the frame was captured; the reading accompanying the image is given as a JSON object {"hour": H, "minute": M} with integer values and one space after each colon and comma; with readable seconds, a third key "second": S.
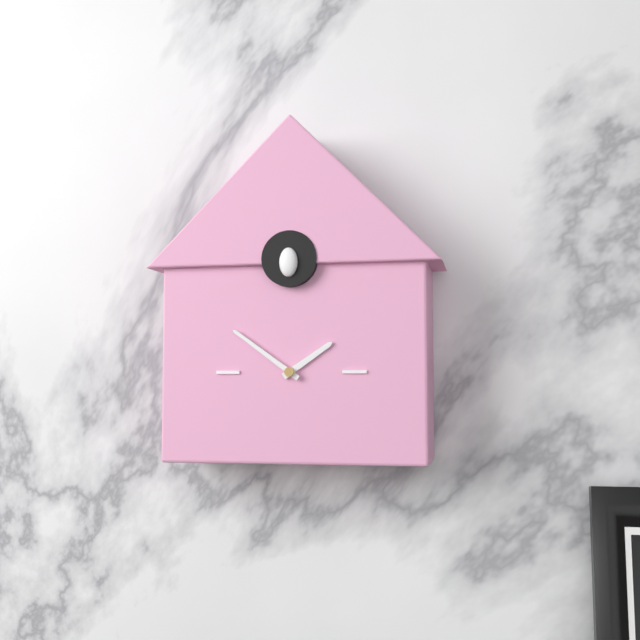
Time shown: {"hour": 1, "minute": 51}
